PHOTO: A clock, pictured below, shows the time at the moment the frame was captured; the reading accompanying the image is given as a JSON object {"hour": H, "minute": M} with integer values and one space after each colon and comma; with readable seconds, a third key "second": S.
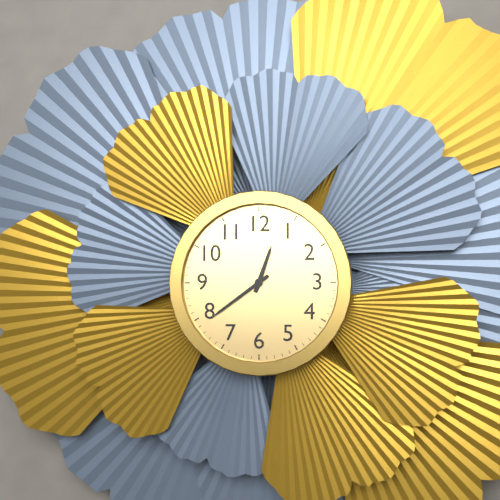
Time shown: {"hour": 12, "minute": 39}
